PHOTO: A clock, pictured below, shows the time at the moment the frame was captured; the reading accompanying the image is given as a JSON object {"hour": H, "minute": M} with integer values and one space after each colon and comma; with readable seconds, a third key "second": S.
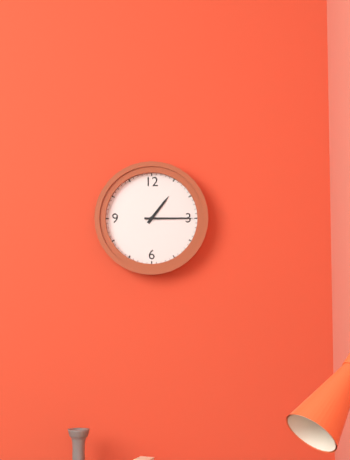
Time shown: {"hour": 1, "minute": 15}
